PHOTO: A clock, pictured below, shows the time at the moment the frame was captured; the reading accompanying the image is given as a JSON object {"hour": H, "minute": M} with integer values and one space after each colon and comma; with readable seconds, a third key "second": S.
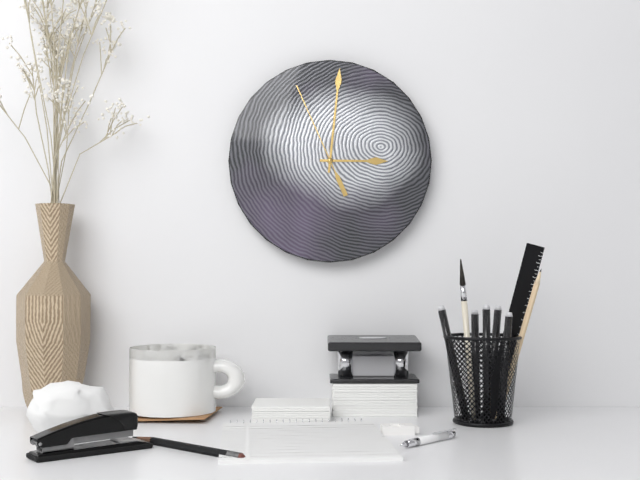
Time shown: {"hour": 3, "minute": 1, "second": 56}
